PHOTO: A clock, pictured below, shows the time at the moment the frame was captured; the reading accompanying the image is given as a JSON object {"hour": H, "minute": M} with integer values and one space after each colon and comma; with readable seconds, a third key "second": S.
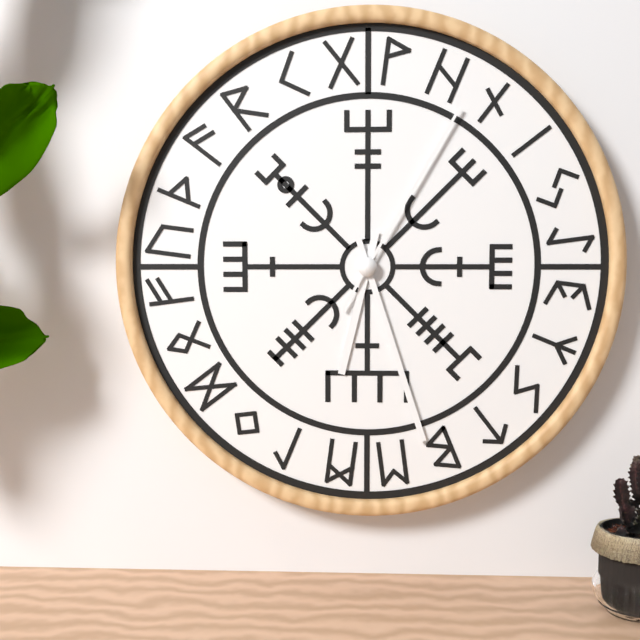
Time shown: {"hour": 6, "minute": 27, "second": 5}
